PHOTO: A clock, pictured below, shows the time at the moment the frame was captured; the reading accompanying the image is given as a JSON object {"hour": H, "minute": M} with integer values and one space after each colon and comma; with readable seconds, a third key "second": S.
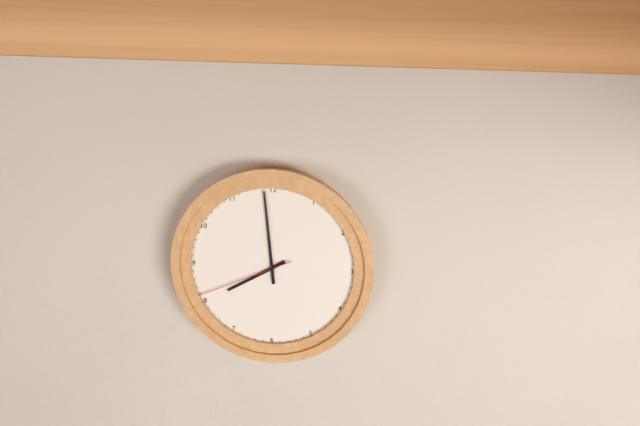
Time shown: {"hour": 7, "minute": 59, "second": 41}
